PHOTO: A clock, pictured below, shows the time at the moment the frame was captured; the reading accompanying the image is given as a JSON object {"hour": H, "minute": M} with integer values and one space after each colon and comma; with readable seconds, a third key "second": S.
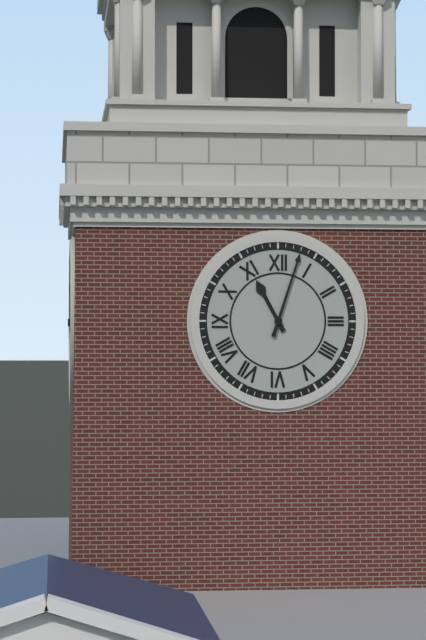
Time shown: {"hour": 11, "minute": 3}
